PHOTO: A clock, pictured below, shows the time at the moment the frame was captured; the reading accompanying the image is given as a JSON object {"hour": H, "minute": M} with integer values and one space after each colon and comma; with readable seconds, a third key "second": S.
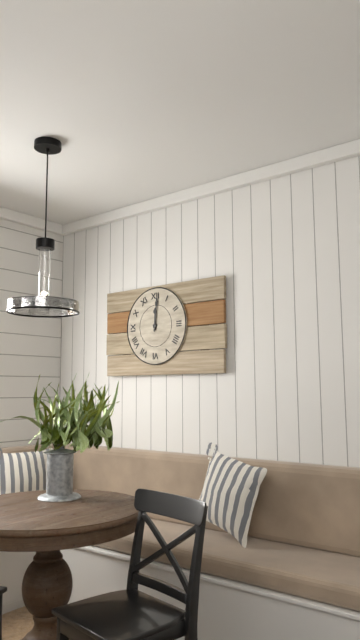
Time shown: {"hour": 12, "minute": 1}
